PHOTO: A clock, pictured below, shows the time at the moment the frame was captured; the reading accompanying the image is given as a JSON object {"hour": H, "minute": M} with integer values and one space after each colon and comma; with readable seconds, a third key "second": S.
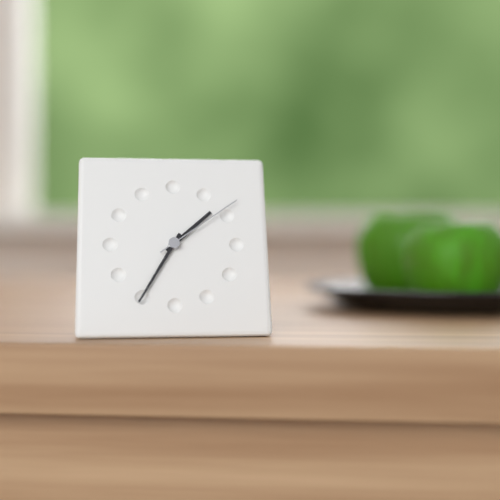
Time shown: {"hour": 1, "minute": 35, "second": 9}
